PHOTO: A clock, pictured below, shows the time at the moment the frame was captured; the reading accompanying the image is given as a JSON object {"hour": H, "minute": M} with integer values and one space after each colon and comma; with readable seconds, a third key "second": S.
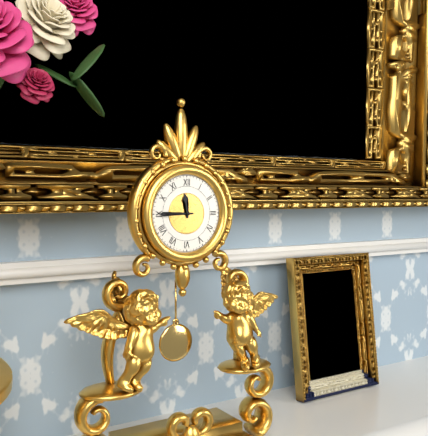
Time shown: {"hour": 11, "minute": 45}
